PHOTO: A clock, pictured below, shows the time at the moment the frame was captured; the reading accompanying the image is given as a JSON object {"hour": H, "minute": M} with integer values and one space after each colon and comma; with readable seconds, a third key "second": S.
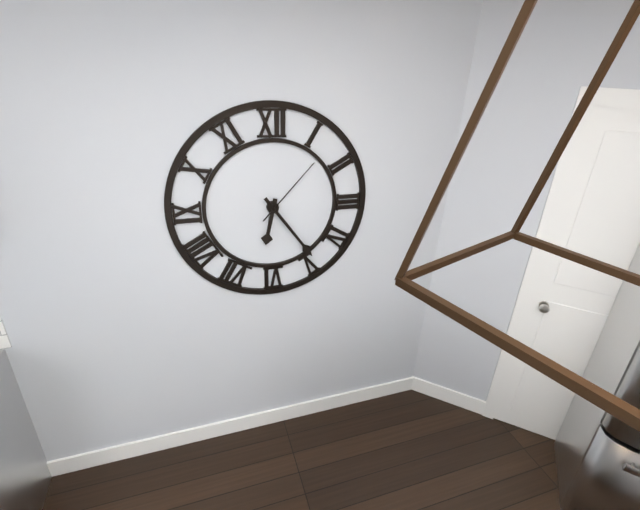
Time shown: {"hour": 6, "minute": 24, "second": 7}
